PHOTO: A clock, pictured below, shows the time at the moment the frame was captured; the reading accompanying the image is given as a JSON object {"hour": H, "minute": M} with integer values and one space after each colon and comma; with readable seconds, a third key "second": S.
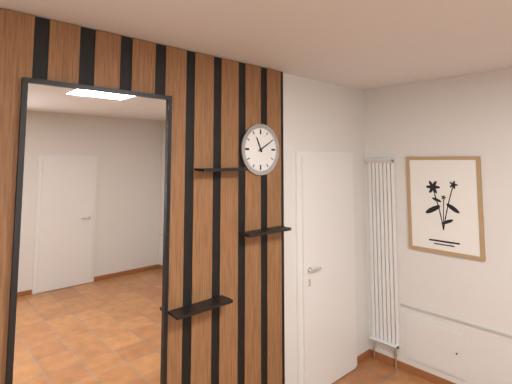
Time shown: {"hour": 11, "minute": 10}
